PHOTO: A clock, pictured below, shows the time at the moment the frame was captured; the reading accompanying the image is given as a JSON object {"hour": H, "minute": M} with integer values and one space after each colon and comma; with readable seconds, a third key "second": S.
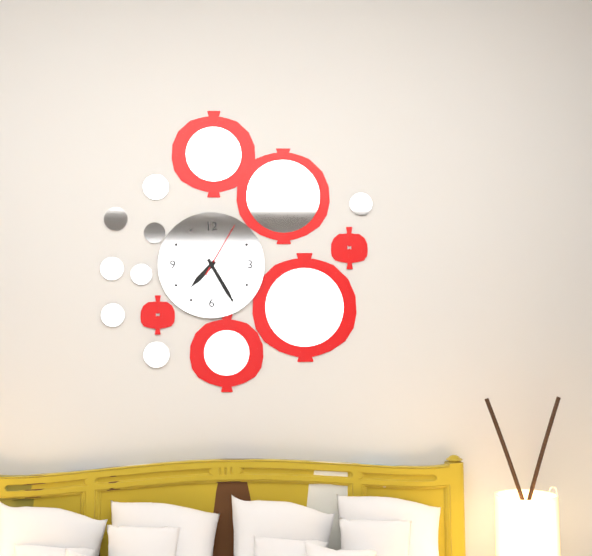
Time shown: {"hour": 7, "minute": 25, "second": 5}
